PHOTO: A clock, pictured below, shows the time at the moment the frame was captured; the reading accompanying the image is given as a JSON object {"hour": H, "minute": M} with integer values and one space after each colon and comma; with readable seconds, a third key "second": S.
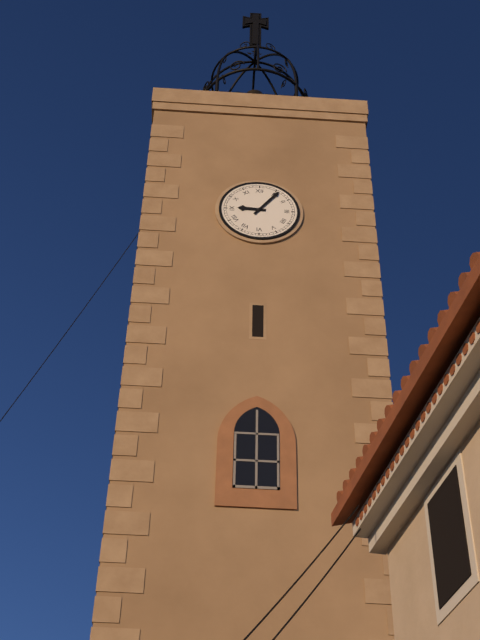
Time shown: {"hour": 9, "minute": 6}
